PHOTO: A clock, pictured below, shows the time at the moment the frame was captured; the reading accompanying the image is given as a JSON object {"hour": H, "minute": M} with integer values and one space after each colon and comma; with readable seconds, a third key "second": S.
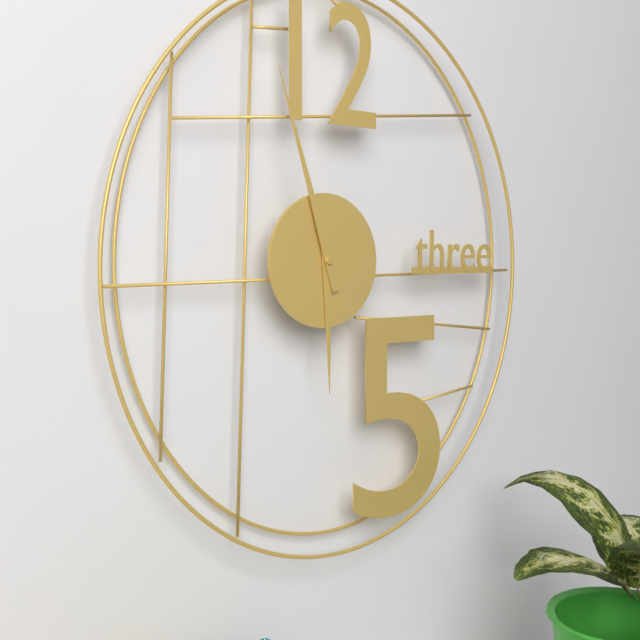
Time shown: {"hour": 5, "minute": 57}
